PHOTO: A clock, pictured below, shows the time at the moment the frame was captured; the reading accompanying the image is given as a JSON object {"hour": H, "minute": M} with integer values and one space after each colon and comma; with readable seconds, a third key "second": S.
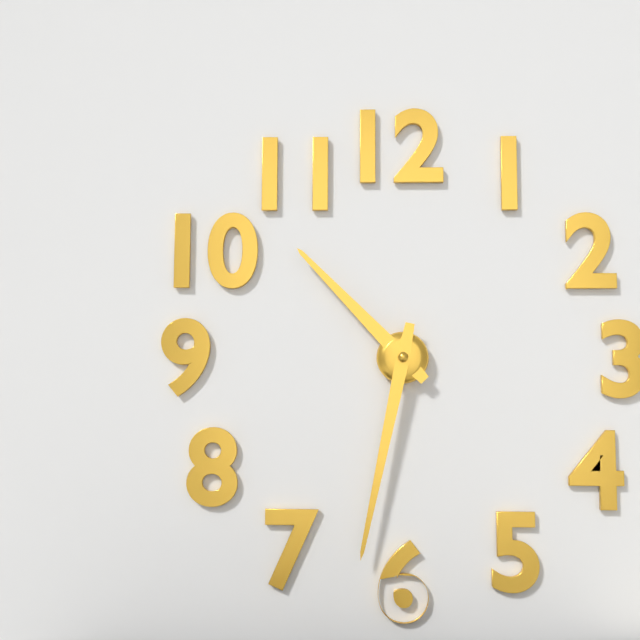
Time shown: {"hour": 10, "minute": 32}
